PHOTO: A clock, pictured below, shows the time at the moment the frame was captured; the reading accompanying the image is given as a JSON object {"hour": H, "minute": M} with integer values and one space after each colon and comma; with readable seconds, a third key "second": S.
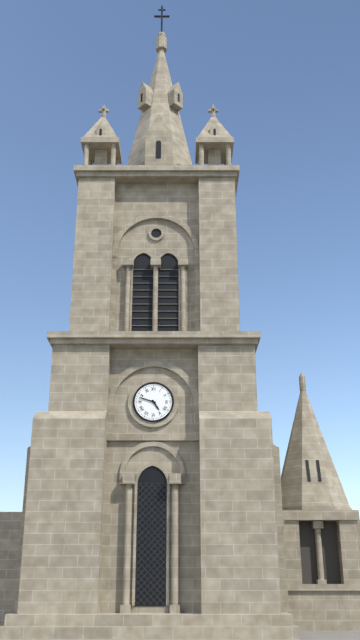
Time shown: {"hour": 4, "minute": 48}
